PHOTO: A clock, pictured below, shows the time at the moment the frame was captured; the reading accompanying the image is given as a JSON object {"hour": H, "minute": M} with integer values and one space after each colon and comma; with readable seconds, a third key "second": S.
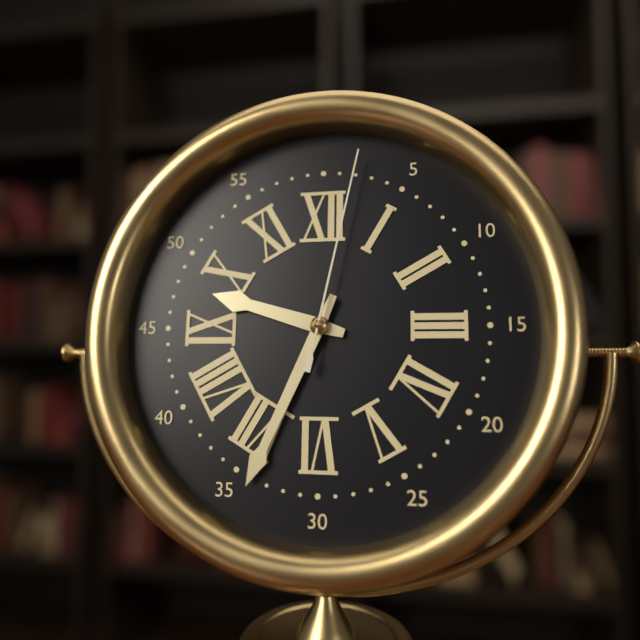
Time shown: {"hour": 9, "minute": 34, "second": 2}
